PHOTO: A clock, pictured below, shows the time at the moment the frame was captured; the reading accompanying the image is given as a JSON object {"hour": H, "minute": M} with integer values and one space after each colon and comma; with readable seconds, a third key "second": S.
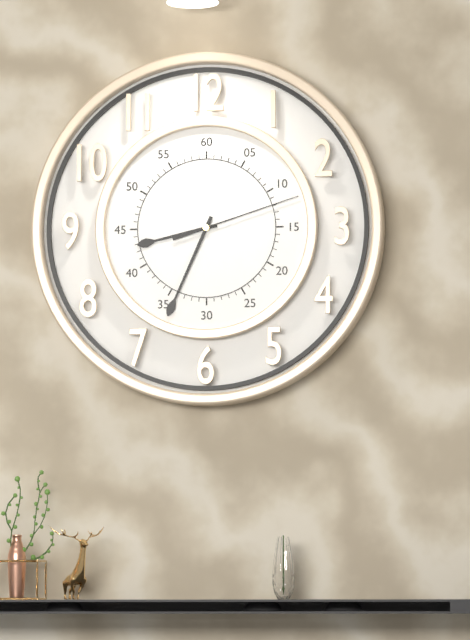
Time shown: {"hour": 8, "minute": 34, "second": 12}
